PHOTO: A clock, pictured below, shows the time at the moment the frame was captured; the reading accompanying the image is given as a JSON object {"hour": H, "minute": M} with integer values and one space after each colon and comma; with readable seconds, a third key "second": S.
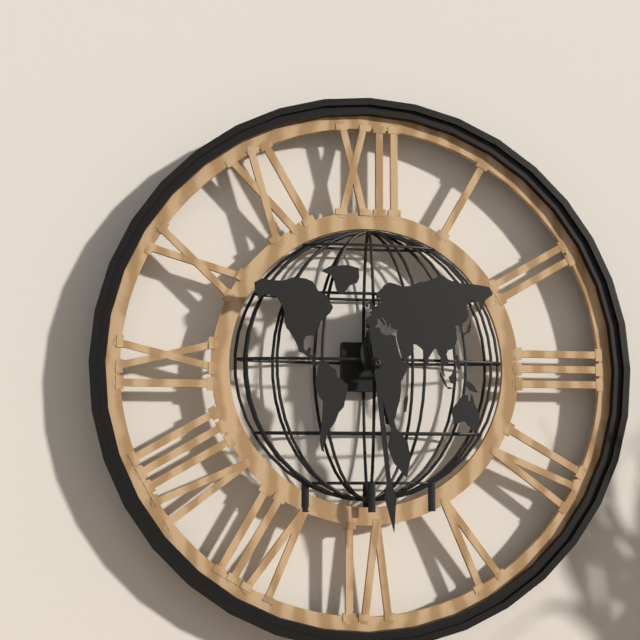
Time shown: {"hour": 5, "minute": 29}
